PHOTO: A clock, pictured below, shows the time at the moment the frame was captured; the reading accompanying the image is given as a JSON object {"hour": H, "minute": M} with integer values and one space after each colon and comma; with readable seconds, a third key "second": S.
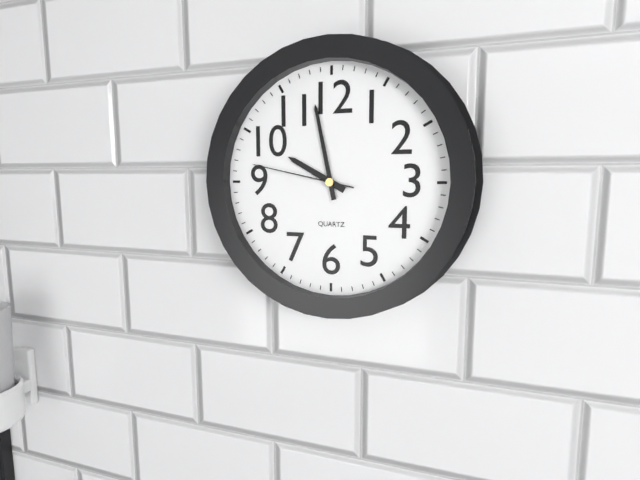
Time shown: {"hour": 9, "minute": 58, "second": 47}
